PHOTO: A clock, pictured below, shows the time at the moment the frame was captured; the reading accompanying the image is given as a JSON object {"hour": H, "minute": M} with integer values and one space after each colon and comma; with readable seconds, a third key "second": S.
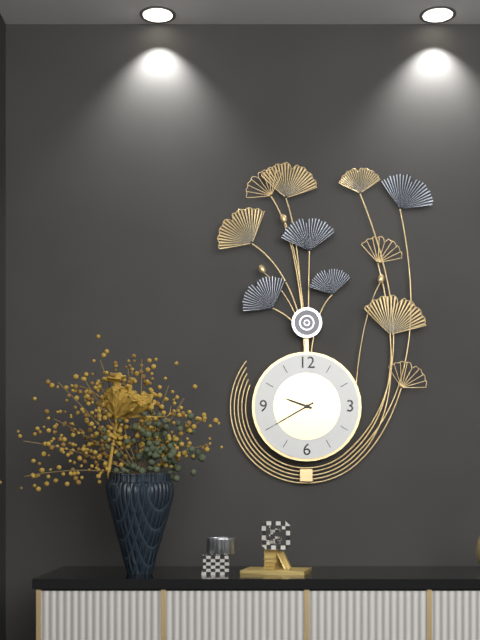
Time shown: {"hour": 9, "minute": 40}
